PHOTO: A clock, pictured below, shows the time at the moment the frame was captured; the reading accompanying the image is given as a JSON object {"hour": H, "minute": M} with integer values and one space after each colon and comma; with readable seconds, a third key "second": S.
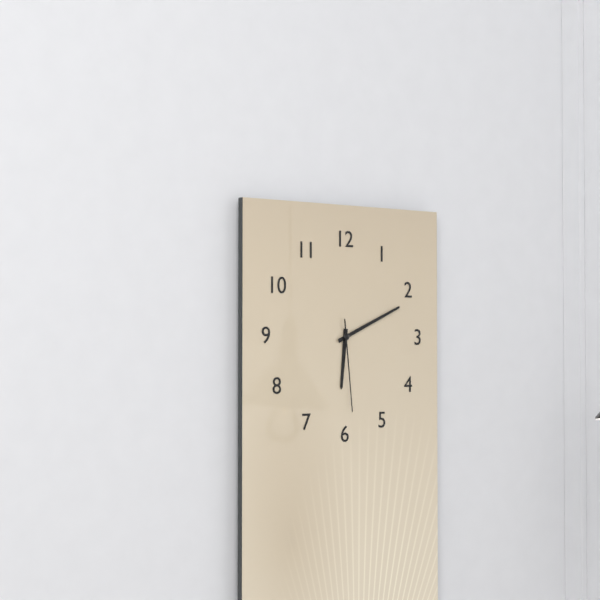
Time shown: {"hour": 6, "minute": 11, "second": 29}
